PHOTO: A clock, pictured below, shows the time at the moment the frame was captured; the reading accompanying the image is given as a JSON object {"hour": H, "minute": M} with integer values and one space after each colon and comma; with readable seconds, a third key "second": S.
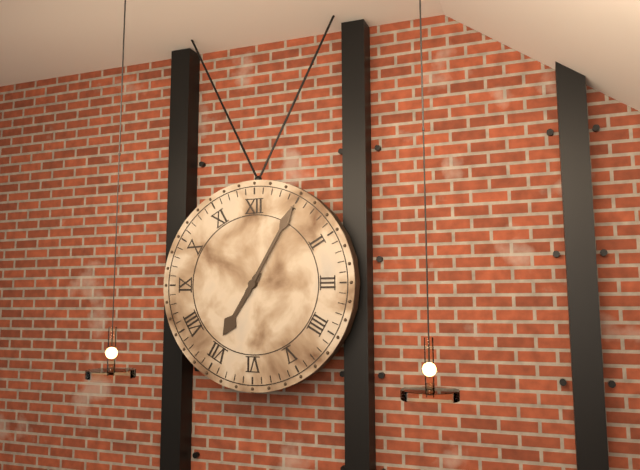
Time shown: {"hour": 7, "minute": 5}
